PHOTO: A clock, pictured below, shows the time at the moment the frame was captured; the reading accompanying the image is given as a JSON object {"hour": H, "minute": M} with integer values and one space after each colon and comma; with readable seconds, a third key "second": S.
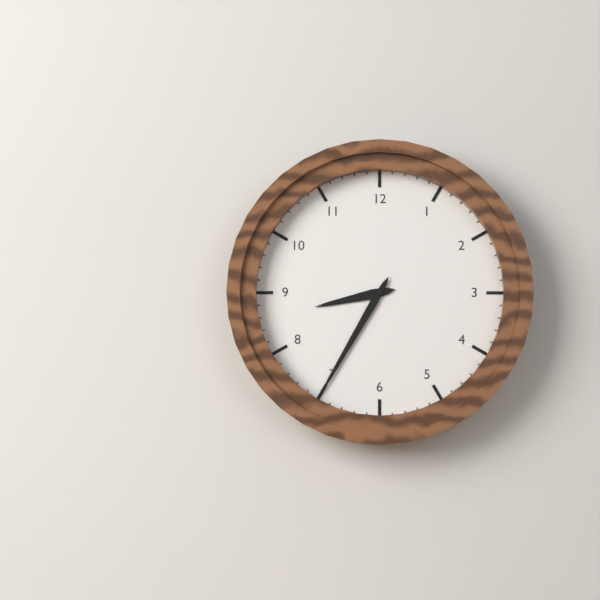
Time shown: {"hour": 8, "minute": 35}
